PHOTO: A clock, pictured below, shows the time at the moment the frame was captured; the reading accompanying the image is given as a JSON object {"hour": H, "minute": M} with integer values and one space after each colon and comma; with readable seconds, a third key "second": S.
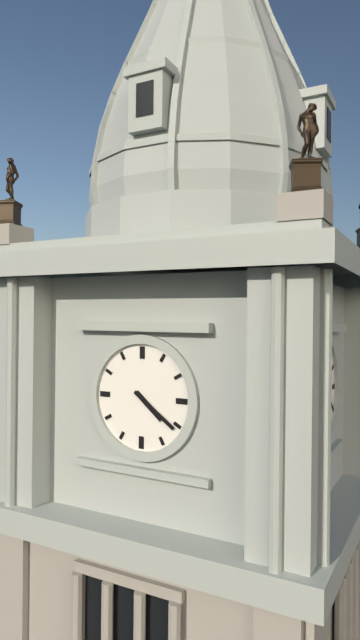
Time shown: {"hour": 4, "minute": 21}
